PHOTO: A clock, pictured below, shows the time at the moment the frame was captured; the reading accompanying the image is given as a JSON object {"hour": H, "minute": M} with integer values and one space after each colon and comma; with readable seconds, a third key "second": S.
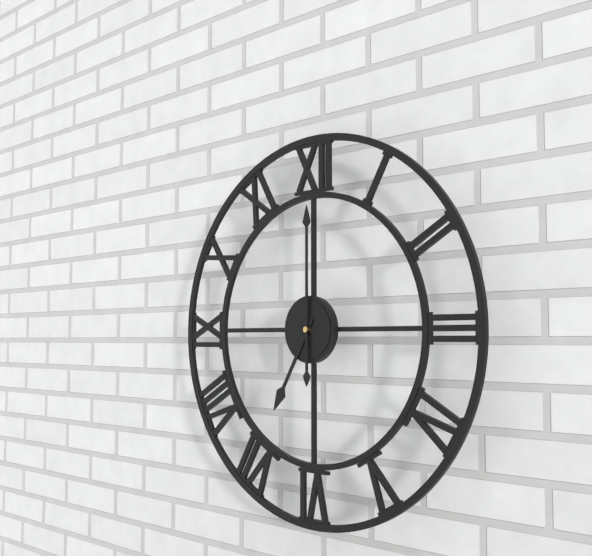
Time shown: {"hour": 7, "minute": 0}
